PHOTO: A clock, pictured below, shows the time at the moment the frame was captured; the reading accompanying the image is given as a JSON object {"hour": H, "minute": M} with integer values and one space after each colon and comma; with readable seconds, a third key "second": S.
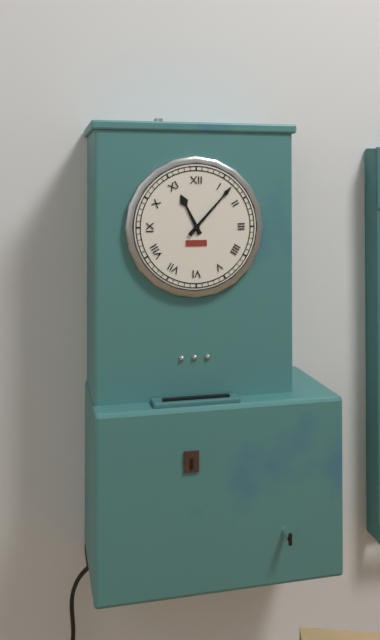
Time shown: {"hour": 11, "minute": 7}
